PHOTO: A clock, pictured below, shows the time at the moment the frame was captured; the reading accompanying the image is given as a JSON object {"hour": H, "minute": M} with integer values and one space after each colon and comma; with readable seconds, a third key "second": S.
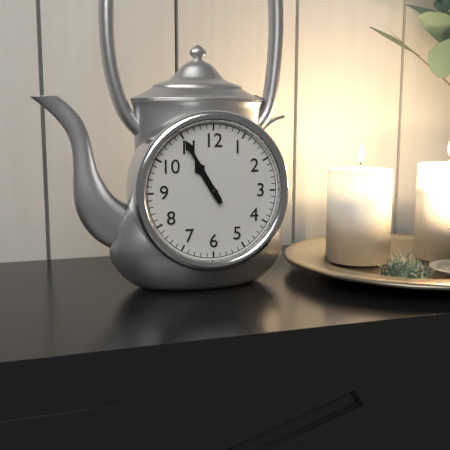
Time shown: {"hour": 10, "minute": 55}
